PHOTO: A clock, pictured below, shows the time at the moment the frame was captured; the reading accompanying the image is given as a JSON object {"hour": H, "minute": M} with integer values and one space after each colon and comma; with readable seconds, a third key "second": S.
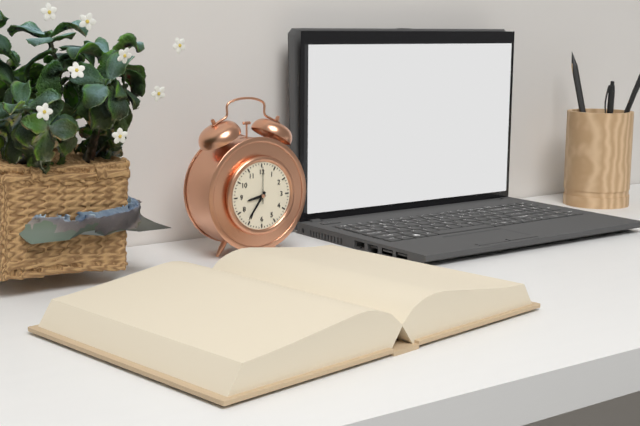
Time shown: {"hour": 8, "minute": 36}
